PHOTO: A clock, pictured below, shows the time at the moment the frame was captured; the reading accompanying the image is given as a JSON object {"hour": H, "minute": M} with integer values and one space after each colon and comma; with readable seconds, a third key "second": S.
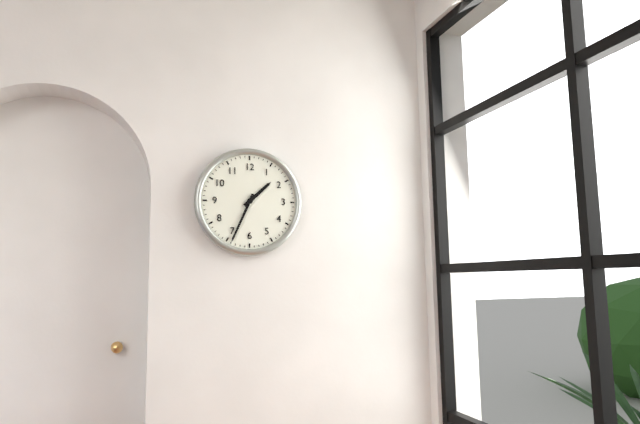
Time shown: {"hour": 1, "minute": 34}
